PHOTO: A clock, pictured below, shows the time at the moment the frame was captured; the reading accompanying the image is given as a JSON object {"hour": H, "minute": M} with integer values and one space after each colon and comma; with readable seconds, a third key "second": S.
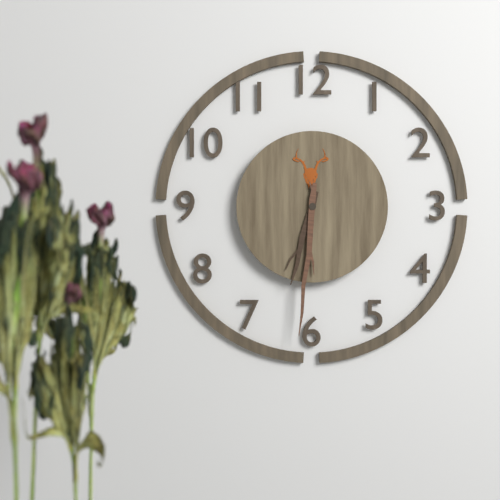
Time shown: {"hour": 6, "minute": 31}
